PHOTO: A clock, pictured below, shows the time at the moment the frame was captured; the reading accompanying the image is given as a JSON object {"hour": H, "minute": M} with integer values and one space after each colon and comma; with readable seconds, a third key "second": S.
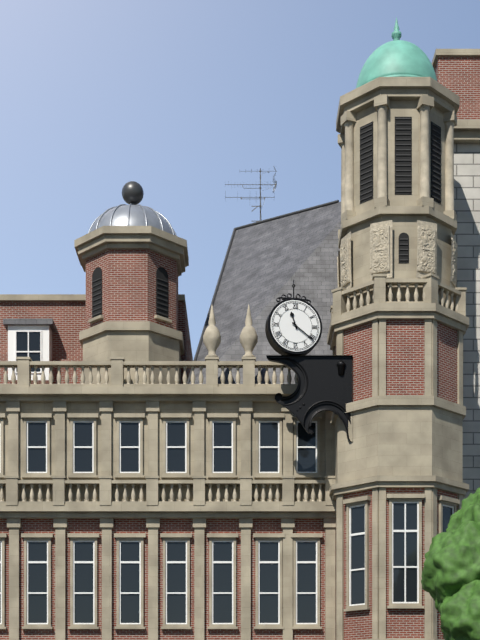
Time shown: {"hour": 11, "minute": 21}
